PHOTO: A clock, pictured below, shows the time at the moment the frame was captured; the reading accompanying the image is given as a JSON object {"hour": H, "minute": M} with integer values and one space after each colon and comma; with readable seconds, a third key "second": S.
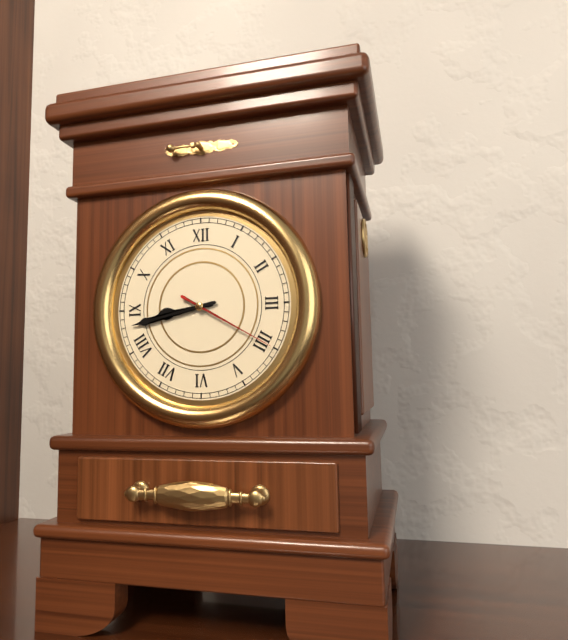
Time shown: {"hour": 8, "minute": 43, "second": 20}
